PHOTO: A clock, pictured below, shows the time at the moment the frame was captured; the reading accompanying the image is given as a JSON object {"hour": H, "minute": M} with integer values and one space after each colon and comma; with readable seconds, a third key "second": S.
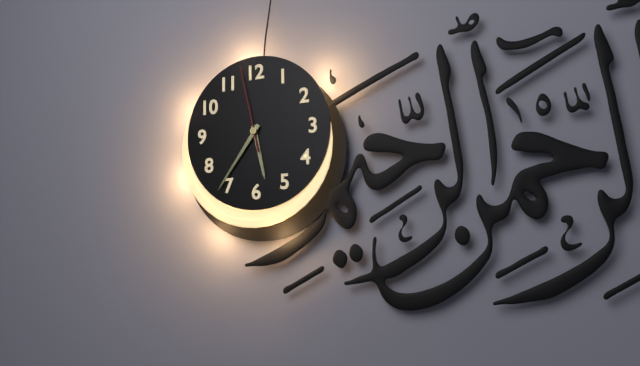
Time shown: {"hour": 5, "minute": 36, "second": 58}
